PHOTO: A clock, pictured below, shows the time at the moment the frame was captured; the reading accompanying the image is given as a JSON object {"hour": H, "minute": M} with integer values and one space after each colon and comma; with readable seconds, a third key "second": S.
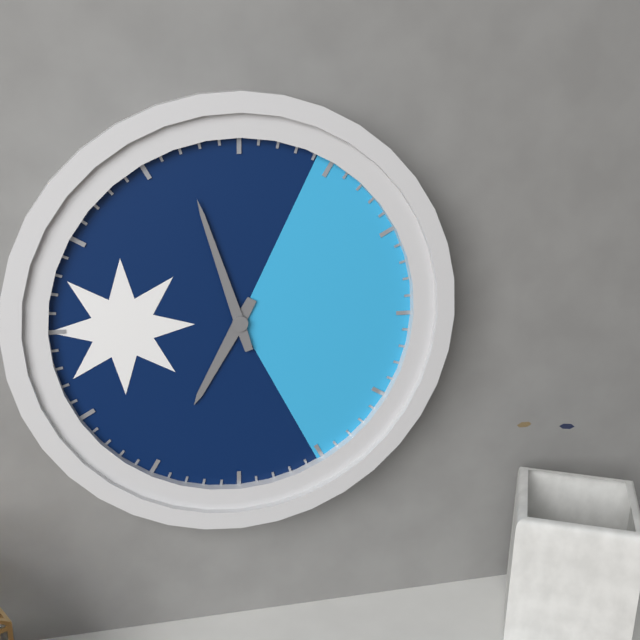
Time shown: {"hour": 6, "minute": 57}
